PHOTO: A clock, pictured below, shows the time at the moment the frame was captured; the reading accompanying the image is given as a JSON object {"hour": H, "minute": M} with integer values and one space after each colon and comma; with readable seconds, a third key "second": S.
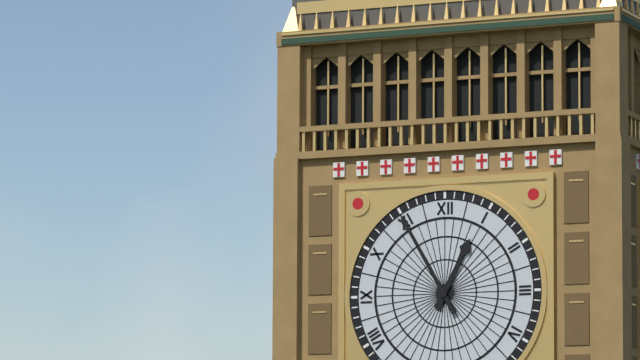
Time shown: {"hour": 12, "minute": 55}
